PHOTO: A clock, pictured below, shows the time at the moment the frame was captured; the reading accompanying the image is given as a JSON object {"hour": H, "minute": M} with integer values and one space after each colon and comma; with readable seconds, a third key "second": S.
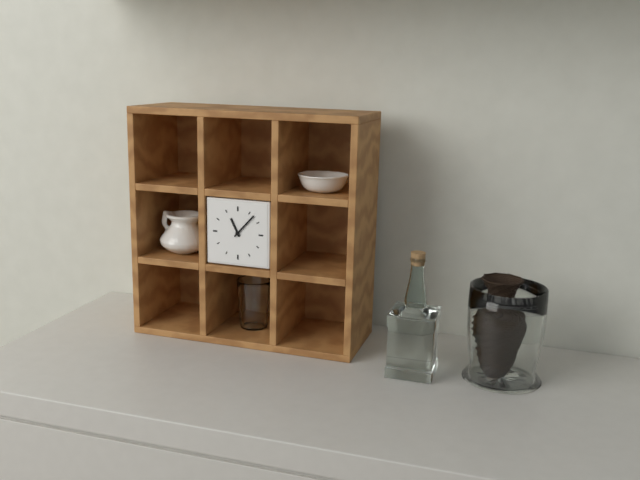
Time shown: {"hour": 11, "minute": 7}
